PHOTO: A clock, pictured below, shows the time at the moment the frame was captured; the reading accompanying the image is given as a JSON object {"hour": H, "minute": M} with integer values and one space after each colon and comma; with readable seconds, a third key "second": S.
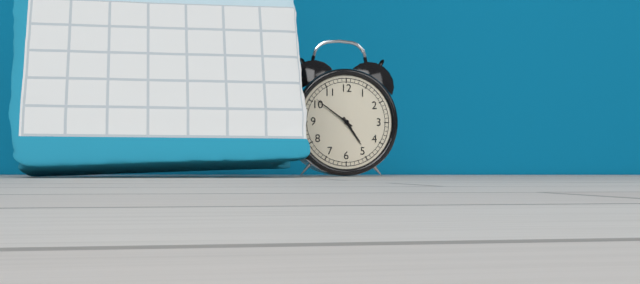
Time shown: {"hour": 4, "minute": 51}
